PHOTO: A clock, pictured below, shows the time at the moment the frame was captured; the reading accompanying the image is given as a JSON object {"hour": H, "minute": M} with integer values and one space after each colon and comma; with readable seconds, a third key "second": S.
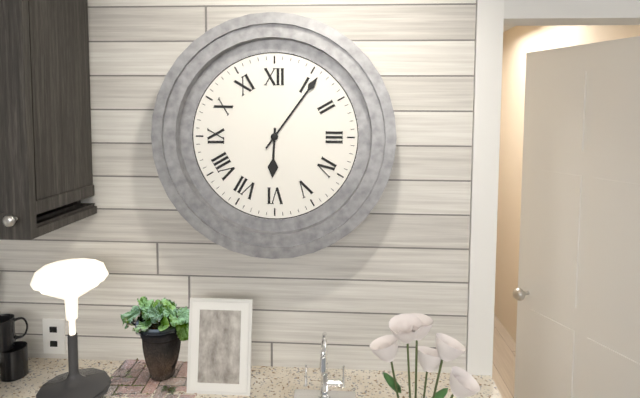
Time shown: {"hour": 6, "minute": 6}
